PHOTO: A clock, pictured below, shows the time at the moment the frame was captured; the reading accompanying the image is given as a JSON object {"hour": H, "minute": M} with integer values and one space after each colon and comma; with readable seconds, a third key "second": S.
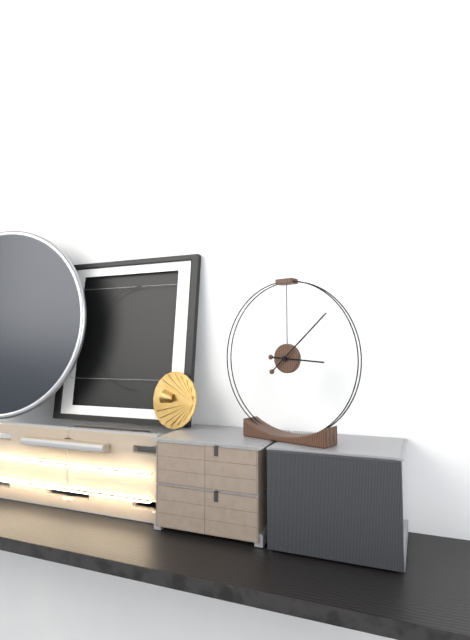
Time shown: {"hour": 3, "minute": 8}
